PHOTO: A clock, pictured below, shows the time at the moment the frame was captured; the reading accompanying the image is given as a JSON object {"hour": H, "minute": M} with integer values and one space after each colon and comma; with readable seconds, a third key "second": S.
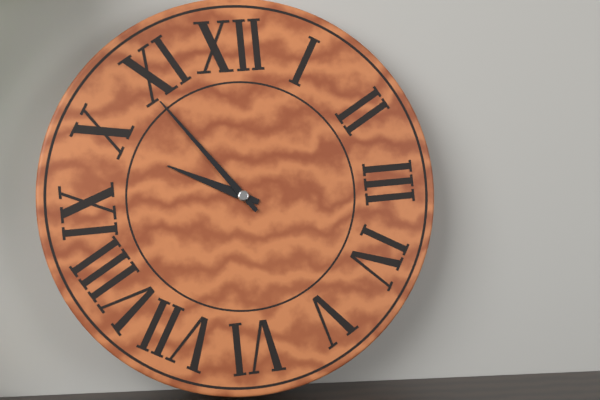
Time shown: {"hour": 9, "minute": 54}
